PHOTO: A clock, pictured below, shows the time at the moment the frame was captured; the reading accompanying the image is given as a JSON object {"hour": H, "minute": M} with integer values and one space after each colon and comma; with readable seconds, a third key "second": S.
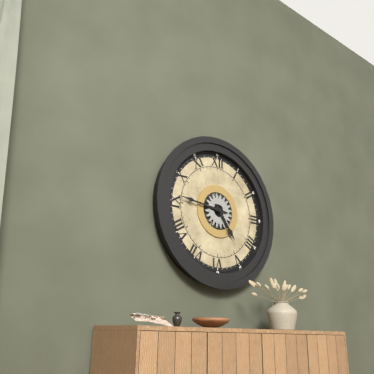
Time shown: {"hour": 4, "minute": 46}
